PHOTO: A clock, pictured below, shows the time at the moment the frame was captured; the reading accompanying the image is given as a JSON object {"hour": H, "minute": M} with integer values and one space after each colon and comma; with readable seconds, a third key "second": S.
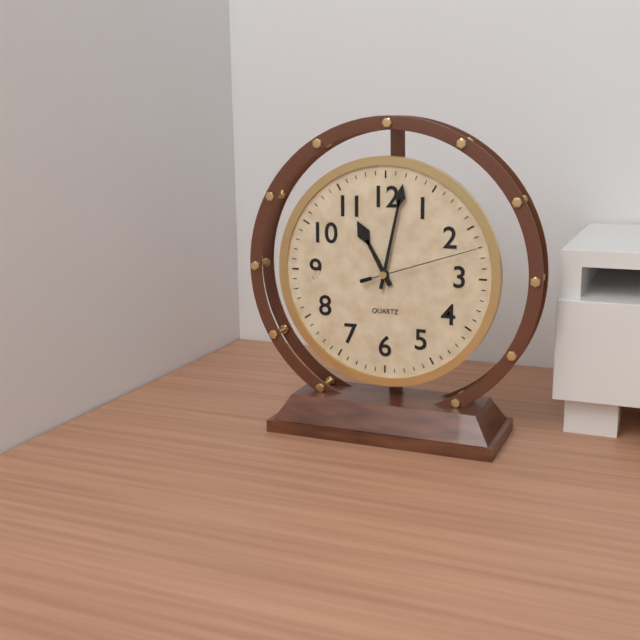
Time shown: {"hour": 11, "minute": 2, "second": 12}
